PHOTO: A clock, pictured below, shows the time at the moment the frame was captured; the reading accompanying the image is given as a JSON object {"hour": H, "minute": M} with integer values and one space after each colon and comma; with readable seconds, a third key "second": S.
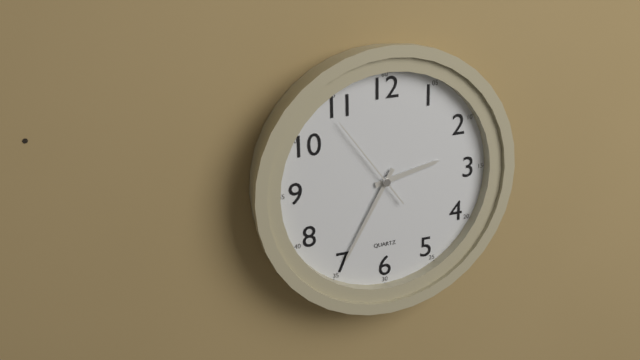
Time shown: {"hour": 2, "minute": 35, "second": 54}
